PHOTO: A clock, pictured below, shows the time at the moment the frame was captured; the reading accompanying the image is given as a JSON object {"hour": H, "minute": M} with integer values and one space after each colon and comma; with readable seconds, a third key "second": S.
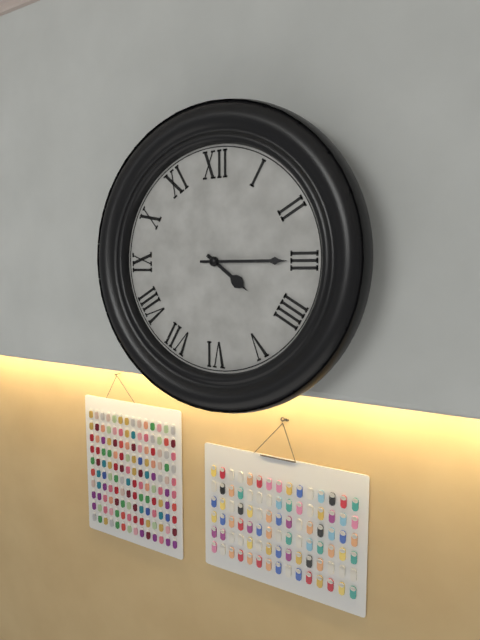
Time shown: {"hour": 4, "minute": 15}
